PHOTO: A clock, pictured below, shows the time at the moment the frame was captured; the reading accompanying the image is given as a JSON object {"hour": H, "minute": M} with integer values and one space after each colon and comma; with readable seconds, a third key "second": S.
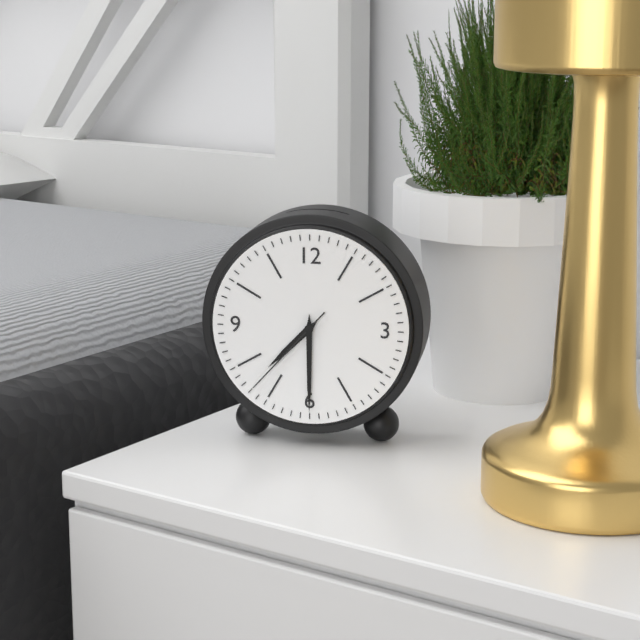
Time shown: {"hour": 7, "minute": 30, "second": 37}
